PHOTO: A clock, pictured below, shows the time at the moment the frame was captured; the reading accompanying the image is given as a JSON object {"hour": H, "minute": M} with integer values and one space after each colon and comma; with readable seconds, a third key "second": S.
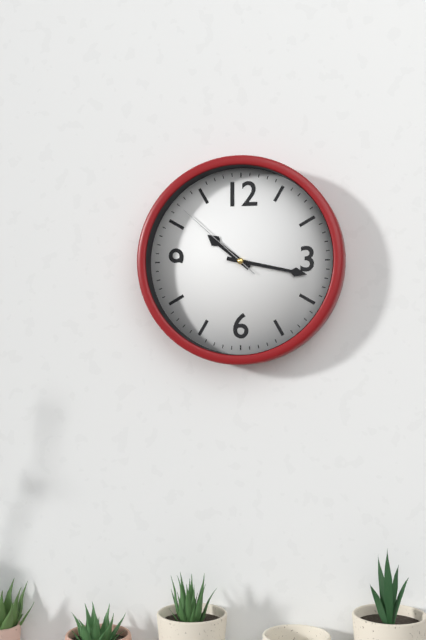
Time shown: {"hour": 10, "minute": 17, "second": 52}
